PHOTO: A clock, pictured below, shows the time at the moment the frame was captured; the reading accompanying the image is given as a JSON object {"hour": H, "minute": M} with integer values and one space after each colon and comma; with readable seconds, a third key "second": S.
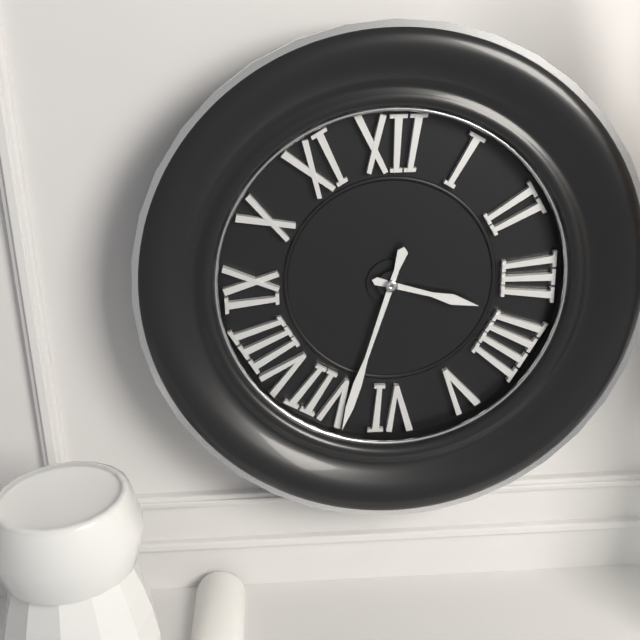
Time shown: {"hour": 3, "minute": 33}
